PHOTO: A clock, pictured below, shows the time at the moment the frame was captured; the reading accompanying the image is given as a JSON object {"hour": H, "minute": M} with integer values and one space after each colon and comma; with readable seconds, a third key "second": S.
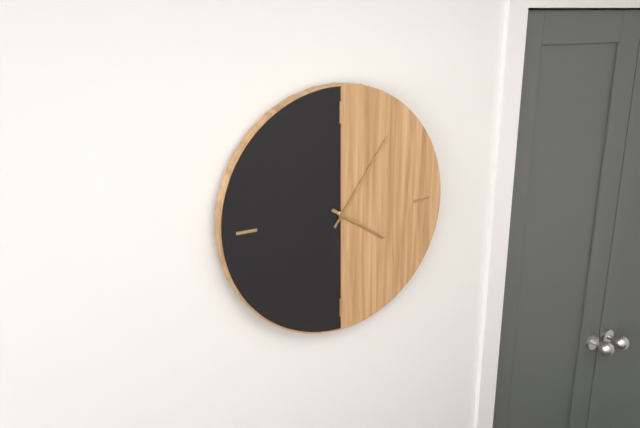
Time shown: {"hour": 4, "minute": 6}
